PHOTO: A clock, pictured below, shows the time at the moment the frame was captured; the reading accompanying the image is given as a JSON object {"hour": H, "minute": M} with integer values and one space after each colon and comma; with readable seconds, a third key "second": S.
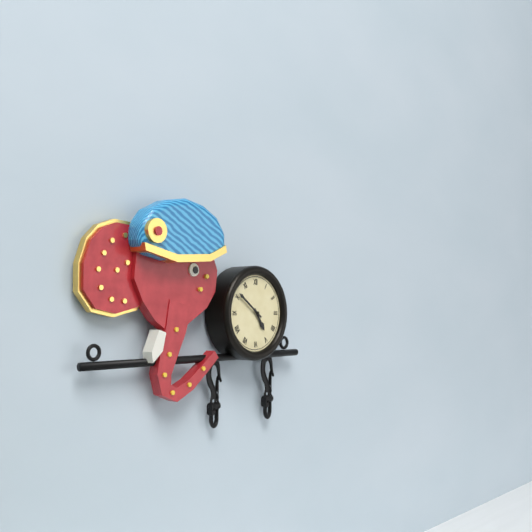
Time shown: {"hour": 4, "minute": 51}
